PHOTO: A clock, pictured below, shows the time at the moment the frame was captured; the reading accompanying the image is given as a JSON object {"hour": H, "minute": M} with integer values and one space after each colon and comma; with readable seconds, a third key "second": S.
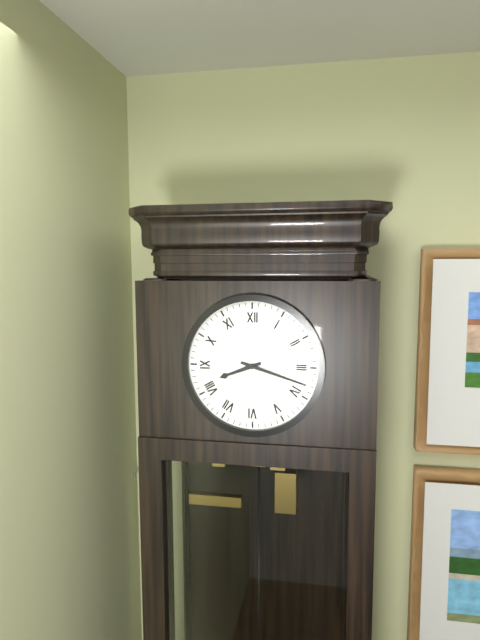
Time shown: {"hour": 8, "minute": 18}
